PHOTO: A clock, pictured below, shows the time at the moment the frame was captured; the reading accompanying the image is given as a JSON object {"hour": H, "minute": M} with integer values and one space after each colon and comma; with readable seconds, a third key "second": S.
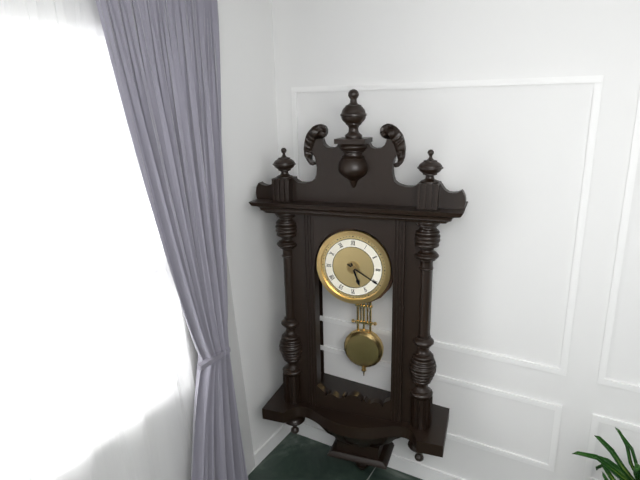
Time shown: {"hour": 5, "minute": 20}
